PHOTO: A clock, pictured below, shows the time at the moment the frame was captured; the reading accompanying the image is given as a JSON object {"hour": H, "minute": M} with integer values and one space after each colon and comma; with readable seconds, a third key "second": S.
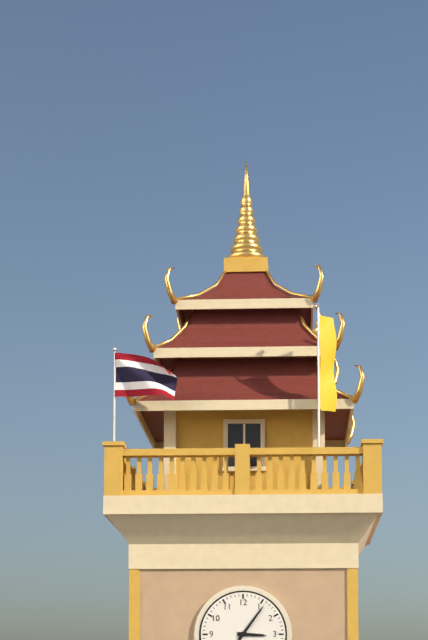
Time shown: {"hour": 3, "minute": 6}
